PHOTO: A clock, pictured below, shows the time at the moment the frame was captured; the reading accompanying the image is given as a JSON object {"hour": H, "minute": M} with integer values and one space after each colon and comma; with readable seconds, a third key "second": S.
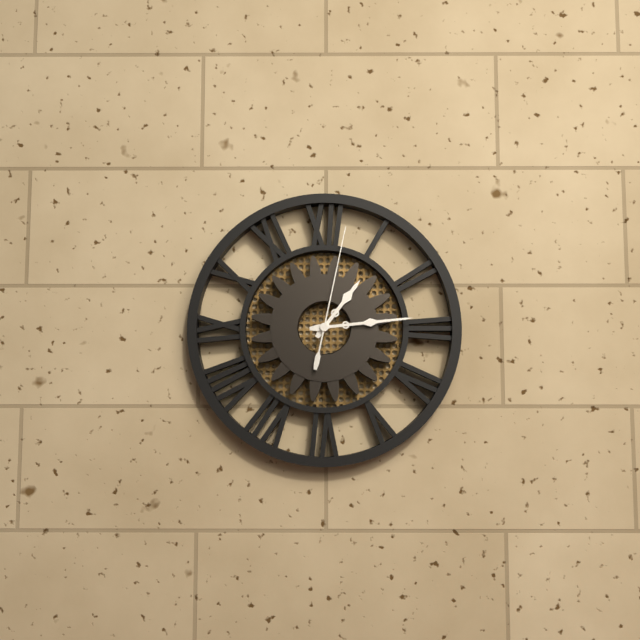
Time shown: {"hour": 1, "minute": 14, "second": 2}
